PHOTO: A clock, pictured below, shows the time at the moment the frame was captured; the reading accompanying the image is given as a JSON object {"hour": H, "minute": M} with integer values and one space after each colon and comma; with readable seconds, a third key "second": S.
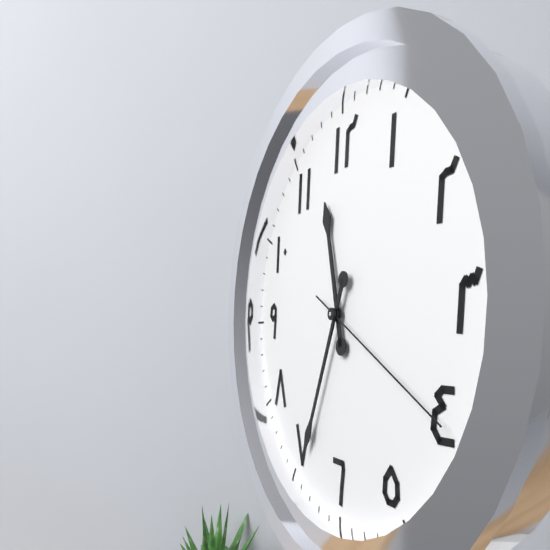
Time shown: {"hour": 11, "minute": 34, "second": 20}
